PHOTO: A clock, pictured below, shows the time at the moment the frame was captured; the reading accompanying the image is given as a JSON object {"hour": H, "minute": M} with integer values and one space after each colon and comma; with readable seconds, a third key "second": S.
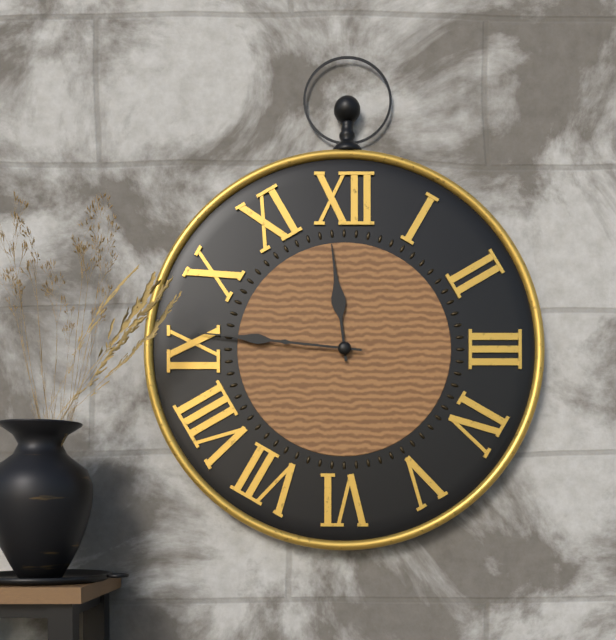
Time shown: {"hour": 11, "minute": 46}
